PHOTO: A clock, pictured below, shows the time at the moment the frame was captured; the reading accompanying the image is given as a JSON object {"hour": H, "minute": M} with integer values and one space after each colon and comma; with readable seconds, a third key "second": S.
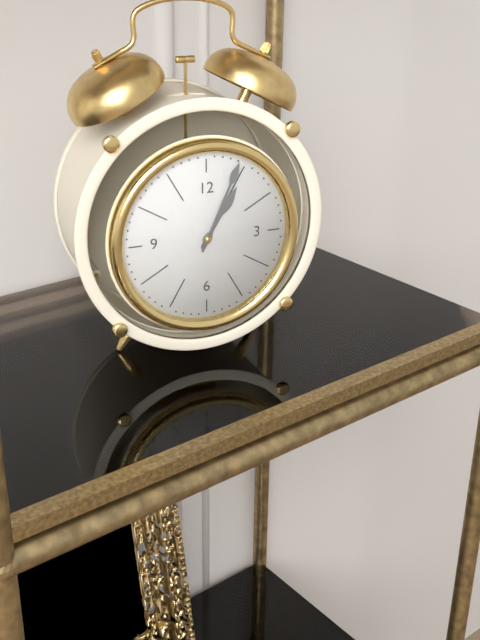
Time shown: {"hour": 1, "minute": 4}
